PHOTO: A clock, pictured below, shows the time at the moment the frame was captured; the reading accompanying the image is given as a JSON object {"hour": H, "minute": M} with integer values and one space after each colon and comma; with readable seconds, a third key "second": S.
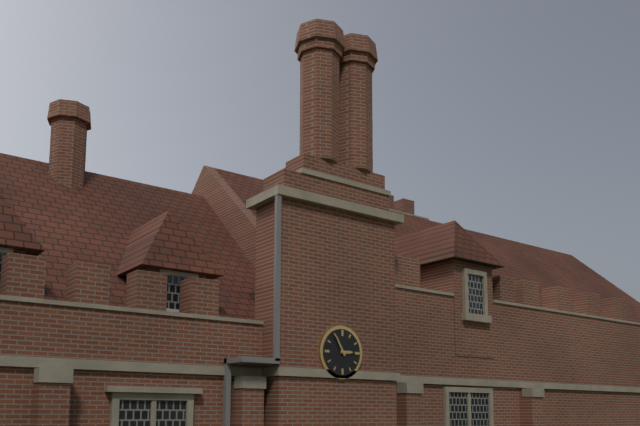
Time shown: {"hour": 2, "minute": 55}
